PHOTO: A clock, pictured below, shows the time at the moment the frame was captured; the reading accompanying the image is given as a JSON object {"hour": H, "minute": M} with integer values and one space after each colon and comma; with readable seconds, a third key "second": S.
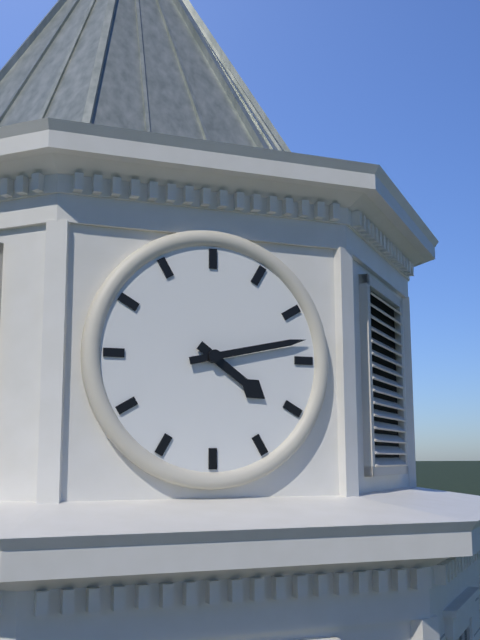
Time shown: {"hour": 4, "minute": 13}
